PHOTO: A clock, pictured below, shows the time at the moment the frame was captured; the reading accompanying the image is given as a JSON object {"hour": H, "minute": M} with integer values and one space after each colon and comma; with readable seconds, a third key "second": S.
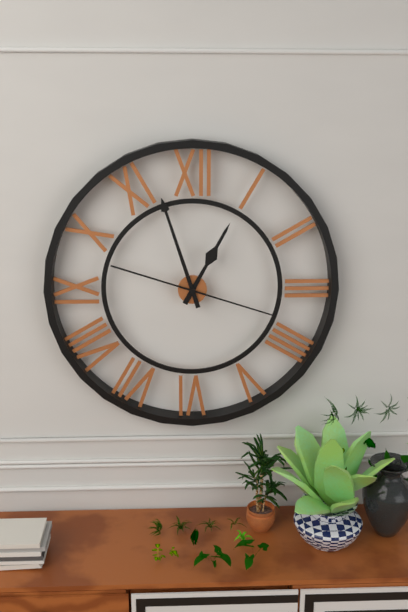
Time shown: {"hour": 12, "minute": 57, "second": 18}
